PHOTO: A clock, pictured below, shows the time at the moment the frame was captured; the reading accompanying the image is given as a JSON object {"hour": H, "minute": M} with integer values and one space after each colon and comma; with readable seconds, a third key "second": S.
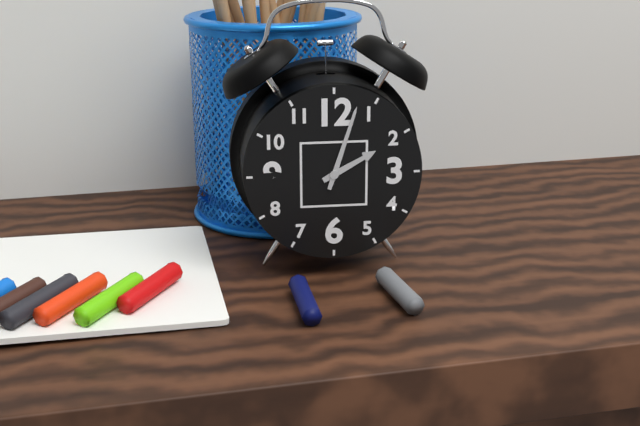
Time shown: {"hour": 2, "minute": 3}
